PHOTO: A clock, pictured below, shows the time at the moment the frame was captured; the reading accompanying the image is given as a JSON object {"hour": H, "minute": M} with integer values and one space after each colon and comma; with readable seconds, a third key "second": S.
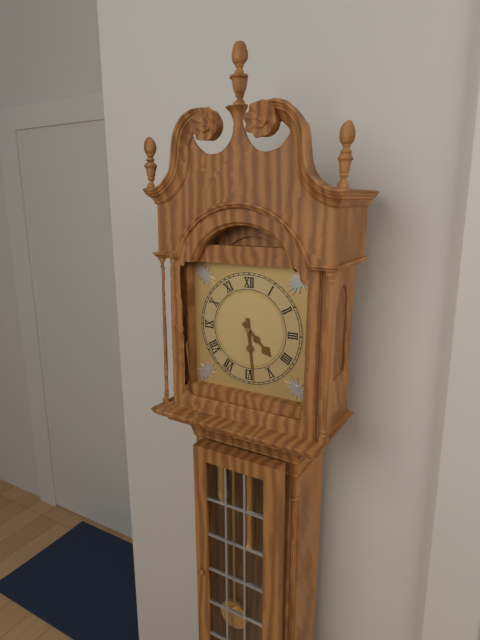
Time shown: {"hour": 4, "minute": 29}
